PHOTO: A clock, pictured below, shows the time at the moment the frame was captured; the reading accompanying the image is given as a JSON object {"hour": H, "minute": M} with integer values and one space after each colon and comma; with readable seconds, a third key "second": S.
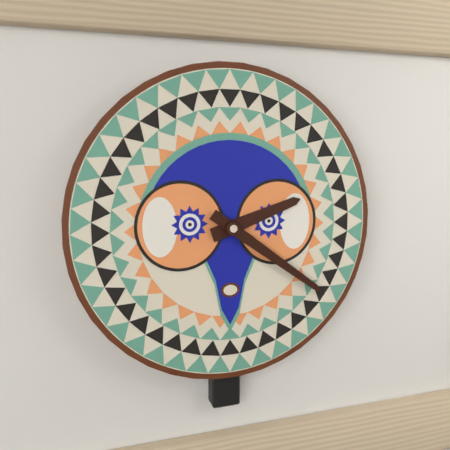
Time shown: {"hour": 2, "minute": 21}
